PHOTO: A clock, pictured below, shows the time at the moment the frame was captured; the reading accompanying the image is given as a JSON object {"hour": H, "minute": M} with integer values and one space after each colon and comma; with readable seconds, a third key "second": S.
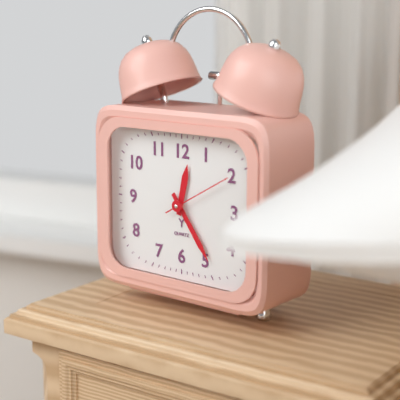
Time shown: {"hour": 12, "minute": 24, "second": 10}
